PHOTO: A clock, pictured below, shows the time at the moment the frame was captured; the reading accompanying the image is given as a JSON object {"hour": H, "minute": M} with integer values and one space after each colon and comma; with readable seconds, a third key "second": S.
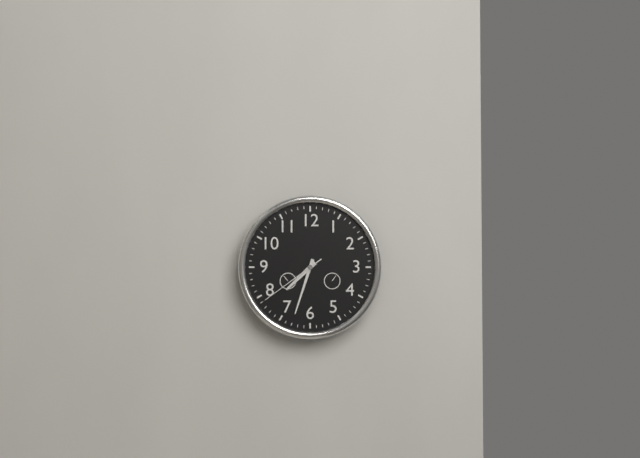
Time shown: {"hour": 7, "minute": 33, "second": 39}
